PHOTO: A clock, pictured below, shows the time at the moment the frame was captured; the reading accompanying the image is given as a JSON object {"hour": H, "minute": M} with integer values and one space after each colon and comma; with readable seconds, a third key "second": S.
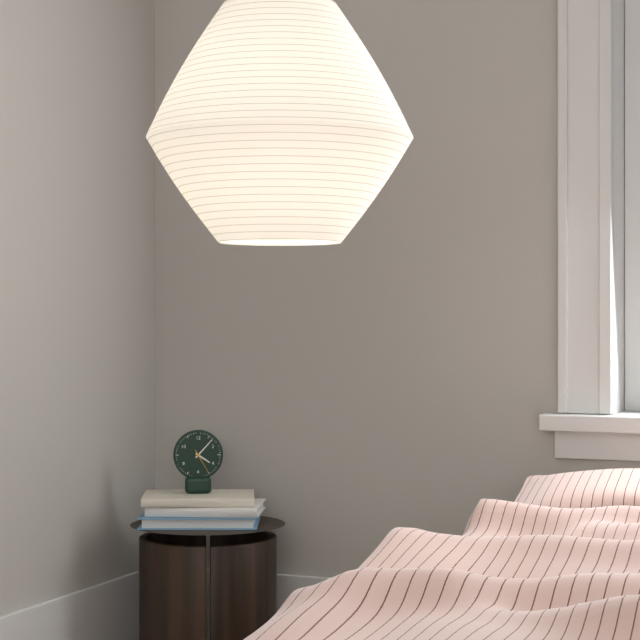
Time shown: {"hour": 4, "minute": 7}
